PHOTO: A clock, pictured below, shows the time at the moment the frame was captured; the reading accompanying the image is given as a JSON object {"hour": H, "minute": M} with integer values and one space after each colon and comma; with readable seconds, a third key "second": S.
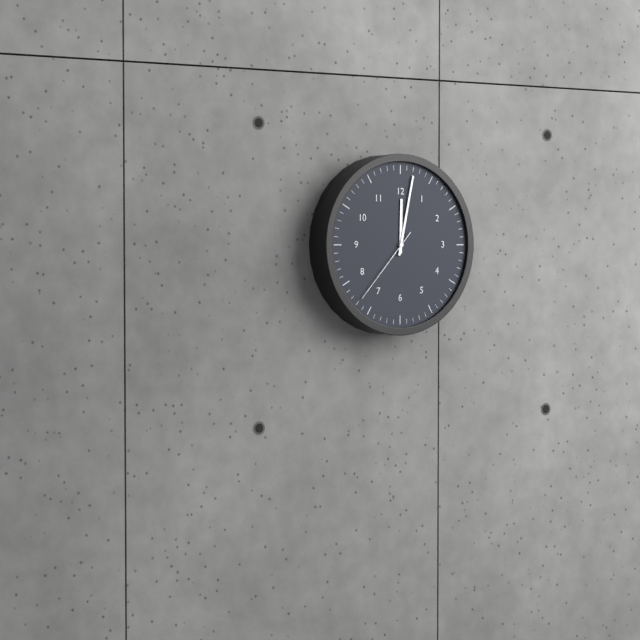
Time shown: {"hour": 12, "minute": 2, "second": 37}
